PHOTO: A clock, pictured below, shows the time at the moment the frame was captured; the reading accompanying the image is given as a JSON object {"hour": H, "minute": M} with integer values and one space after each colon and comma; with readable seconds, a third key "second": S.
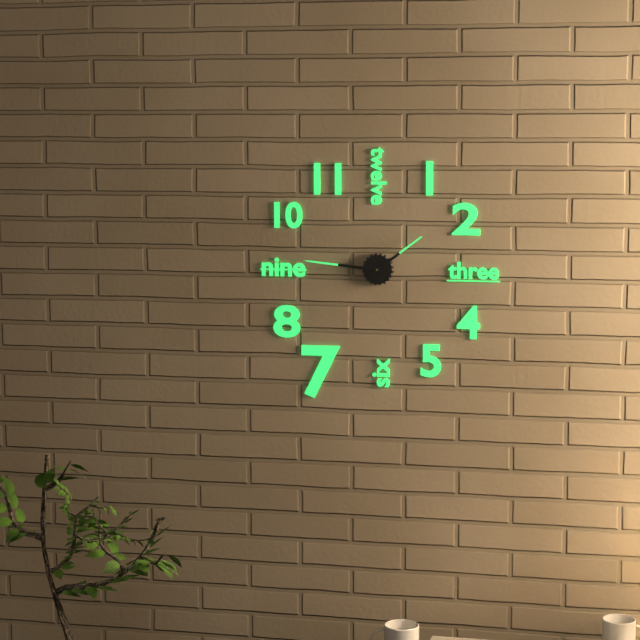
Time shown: {"hour": 1, "minute": 46}
